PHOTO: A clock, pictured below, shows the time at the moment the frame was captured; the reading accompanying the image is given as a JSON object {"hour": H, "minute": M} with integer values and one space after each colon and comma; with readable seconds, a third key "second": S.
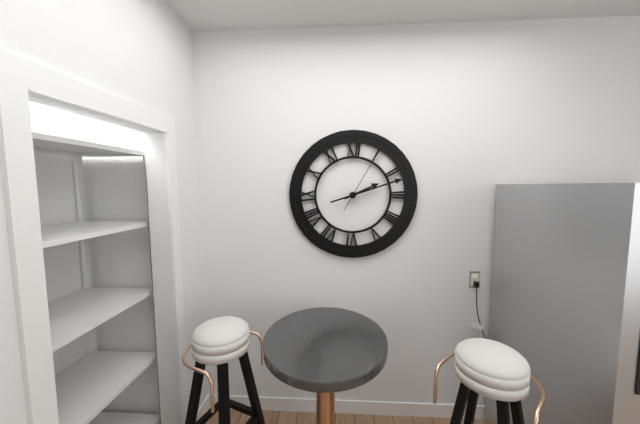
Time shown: {"hour": 2, "minute": 12, "second": 5}
